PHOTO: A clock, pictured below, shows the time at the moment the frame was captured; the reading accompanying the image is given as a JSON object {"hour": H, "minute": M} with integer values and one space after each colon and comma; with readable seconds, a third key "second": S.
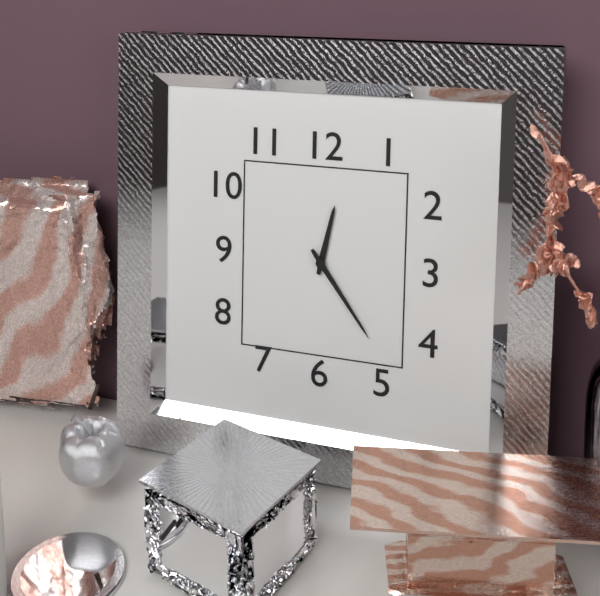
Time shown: {"hour": 12, "minute": 24}
